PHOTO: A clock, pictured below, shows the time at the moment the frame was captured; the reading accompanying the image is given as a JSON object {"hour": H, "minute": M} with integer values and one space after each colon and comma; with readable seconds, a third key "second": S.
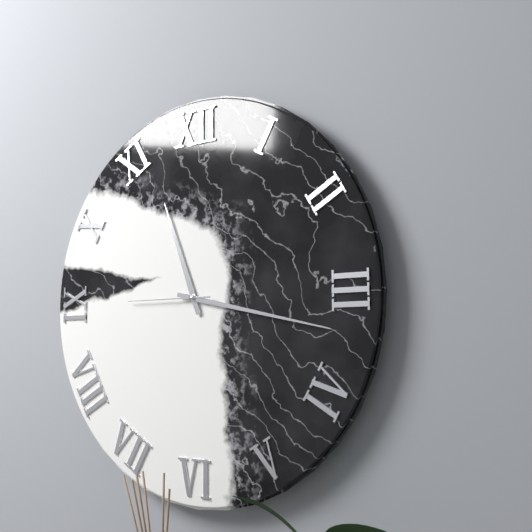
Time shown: {"hour": 11, "minute": 17, "second": 45}
